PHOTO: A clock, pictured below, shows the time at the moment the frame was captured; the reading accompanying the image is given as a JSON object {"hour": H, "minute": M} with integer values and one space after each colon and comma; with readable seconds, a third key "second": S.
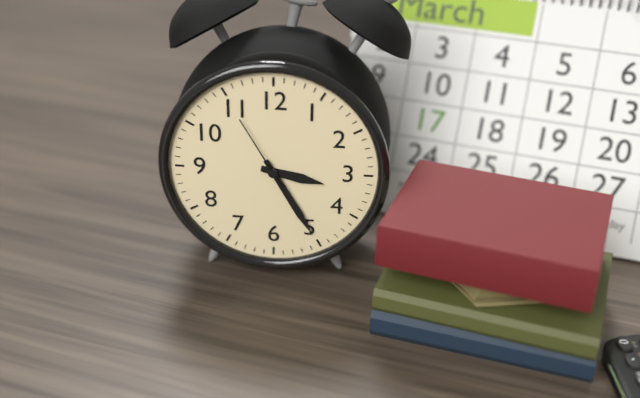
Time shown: {"hour": 3, "minute": 25, "second": 55}
